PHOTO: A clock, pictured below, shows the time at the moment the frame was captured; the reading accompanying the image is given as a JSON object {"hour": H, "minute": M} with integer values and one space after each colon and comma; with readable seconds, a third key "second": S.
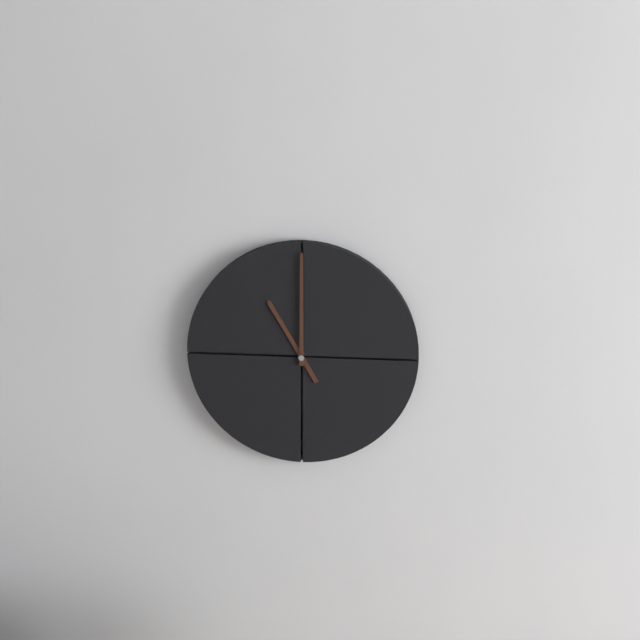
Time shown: {"hour": 11, "minute": 0}
